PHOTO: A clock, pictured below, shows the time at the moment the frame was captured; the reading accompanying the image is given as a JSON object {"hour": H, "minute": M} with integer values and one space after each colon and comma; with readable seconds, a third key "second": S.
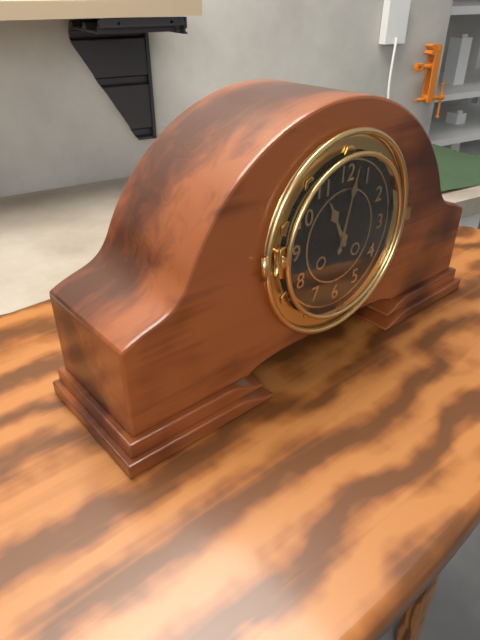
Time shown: {"hour": 11, "minute": 2}
